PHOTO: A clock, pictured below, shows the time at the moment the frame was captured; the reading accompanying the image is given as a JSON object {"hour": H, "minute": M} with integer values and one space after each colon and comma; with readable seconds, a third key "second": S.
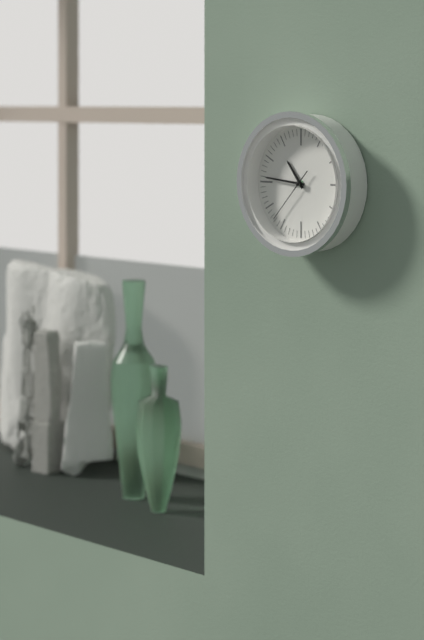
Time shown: {"hour": 10, "minute": 46, "second": 37}
